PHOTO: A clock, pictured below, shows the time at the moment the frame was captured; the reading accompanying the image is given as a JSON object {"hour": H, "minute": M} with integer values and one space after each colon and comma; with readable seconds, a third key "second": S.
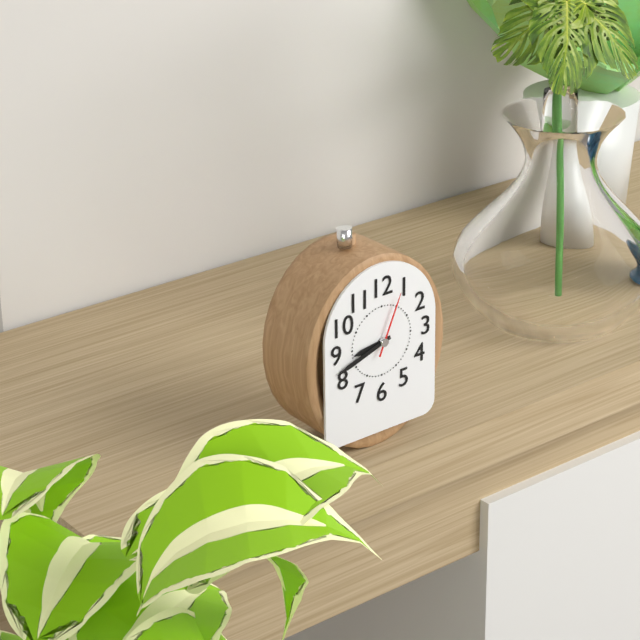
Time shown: {"hour": 8, "minute": 42, "second": 4}
